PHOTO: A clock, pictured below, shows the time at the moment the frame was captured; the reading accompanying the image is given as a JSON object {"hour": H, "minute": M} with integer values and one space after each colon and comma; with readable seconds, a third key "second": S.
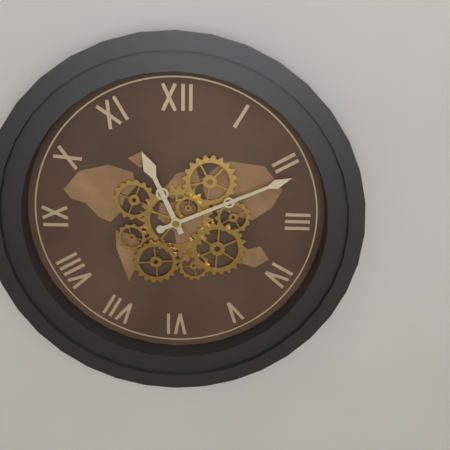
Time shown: {"hour": 11, "minute": 11}
